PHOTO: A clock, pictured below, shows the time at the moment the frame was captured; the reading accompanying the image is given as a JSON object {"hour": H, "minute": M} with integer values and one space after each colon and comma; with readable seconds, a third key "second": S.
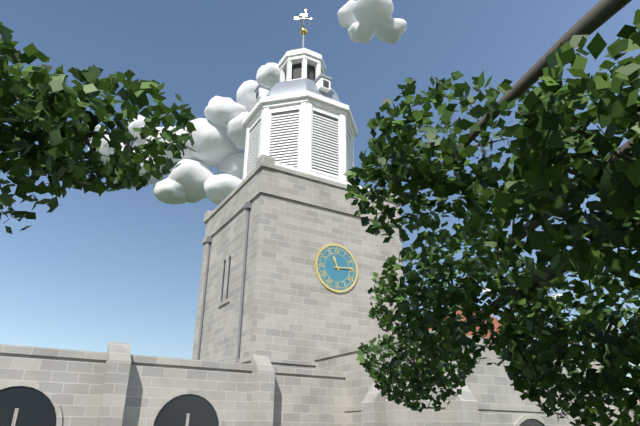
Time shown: {"hour": 11, "minute": 14}
